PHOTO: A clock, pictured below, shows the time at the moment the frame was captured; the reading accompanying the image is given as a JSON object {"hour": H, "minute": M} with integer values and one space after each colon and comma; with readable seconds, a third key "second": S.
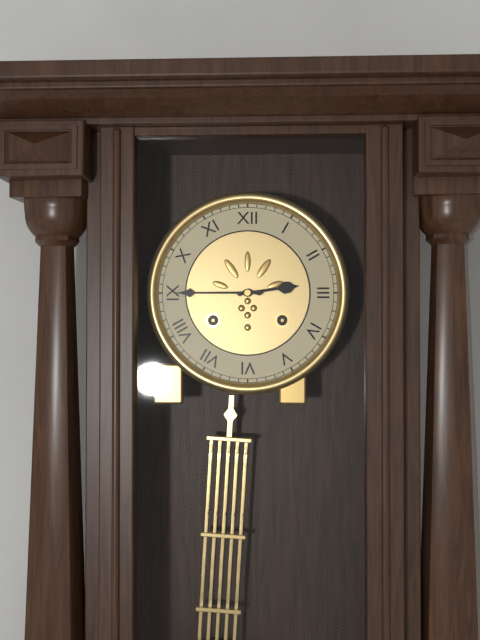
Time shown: {"hour": 2, "minute": 45}
